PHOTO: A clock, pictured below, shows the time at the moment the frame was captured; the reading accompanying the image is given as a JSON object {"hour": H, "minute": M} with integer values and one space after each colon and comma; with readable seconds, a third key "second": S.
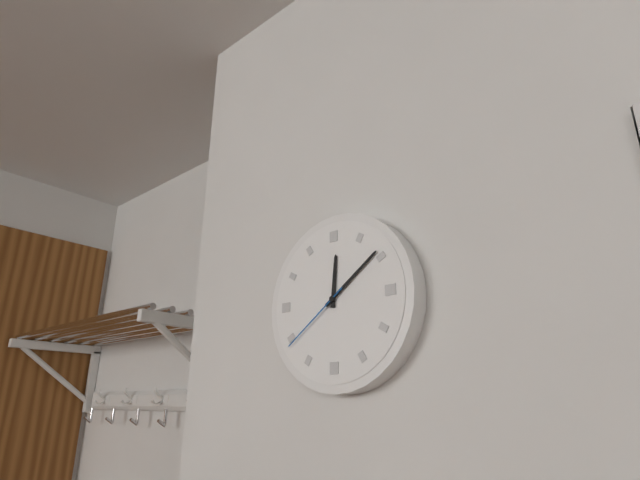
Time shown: {"hour": 12, "minute": 9, "second": 39}
